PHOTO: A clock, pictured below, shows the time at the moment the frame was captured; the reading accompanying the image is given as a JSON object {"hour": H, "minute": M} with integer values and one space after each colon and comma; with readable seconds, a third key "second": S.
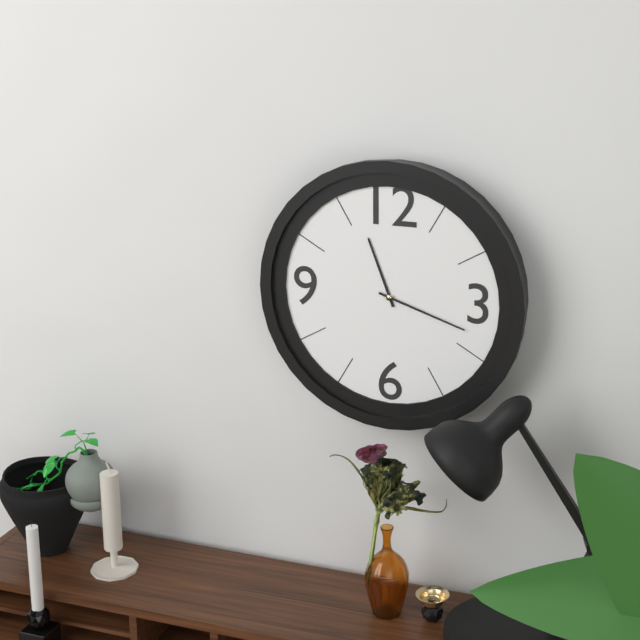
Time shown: {"hour": 11, "minute": 18}
